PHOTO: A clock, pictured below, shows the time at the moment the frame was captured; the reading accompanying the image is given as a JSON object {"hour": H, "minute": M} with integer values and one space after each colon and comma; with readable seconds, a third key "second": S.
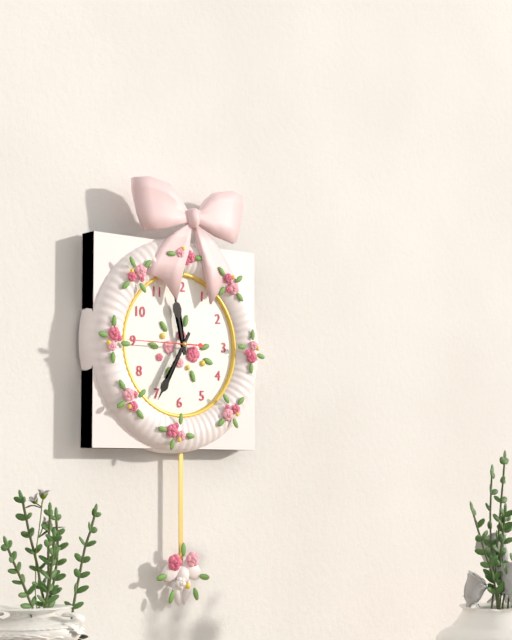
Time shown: {"hour": 11, "minute": 35, "second": 45}
